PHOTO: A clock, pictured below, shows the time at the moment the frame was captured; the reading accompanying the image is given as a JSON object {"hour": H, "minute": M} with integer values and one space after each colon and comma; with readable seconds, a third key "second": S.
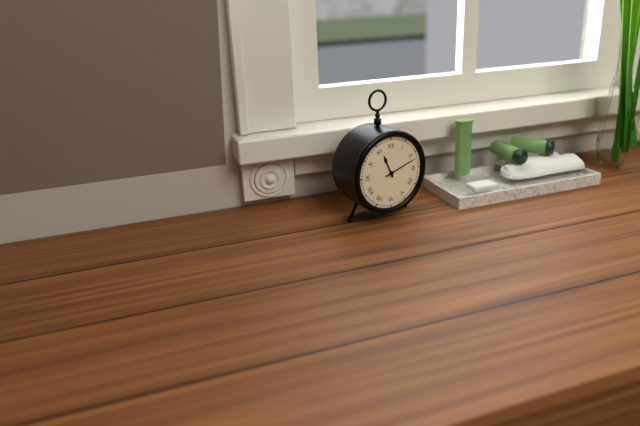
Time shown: {"hour": 11, "minute": 12}
